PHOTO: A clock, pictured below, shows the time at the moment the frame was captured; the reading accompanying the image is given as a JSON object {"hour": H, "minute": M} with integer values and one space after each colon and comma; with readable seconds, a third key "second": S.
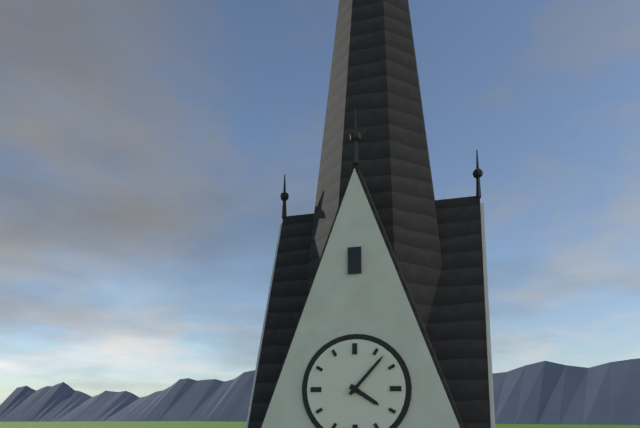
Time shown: {"hour": 4, "minute": 7}
